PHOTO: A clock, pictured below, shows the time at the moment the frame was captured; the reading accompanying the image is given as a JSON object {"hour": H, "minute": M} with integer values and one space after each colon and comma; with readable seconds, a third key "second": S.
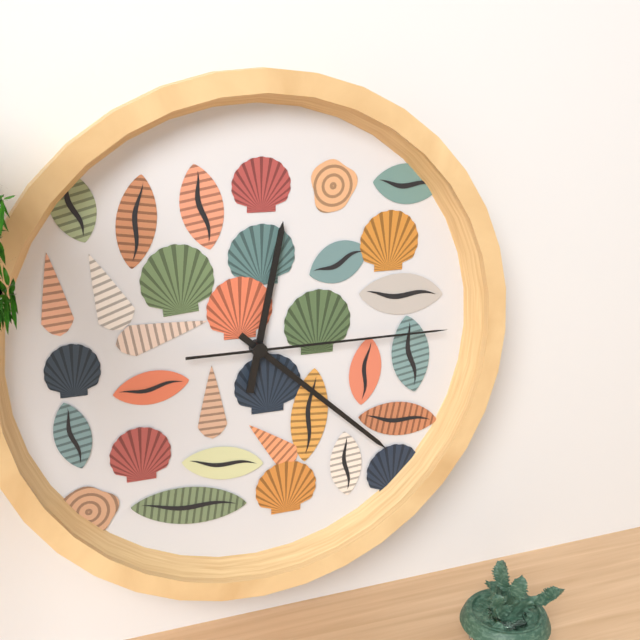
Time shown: {"hour": 12, "minute": 22, "second": 15}
